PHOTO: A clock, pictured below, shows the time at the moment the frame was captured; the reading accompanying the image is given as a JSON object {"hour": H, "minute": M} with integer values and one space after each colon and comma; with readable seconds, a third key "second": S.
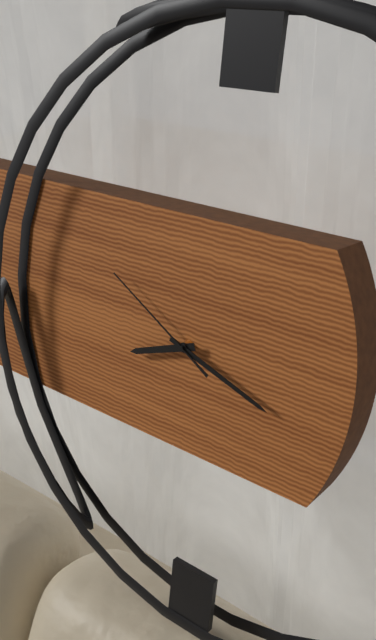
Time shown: {"hour": 8, "minute": 18, "second": 50}
